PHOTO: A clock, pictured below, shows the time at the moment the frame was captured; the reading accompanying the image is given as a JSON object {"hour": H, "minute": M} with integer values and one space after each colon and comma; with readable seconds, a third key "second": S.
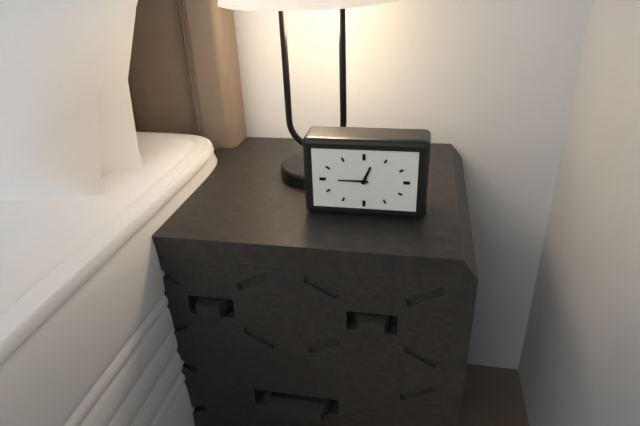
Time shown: {"hour": 12, "minute": 45}
